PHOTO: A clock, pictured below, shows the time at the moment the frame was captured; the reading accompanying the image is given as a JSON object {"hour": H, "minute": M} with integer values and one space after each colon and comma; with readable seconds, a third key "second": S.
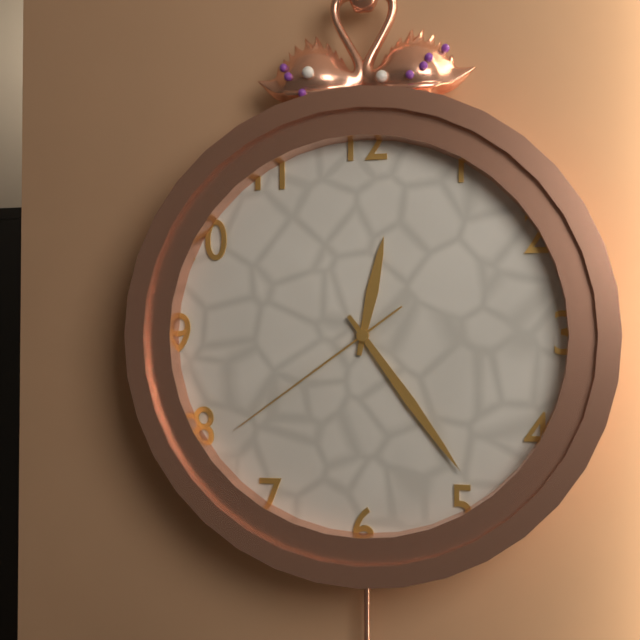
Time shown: {"hour": 12, "minute": 24, "second": 39}
